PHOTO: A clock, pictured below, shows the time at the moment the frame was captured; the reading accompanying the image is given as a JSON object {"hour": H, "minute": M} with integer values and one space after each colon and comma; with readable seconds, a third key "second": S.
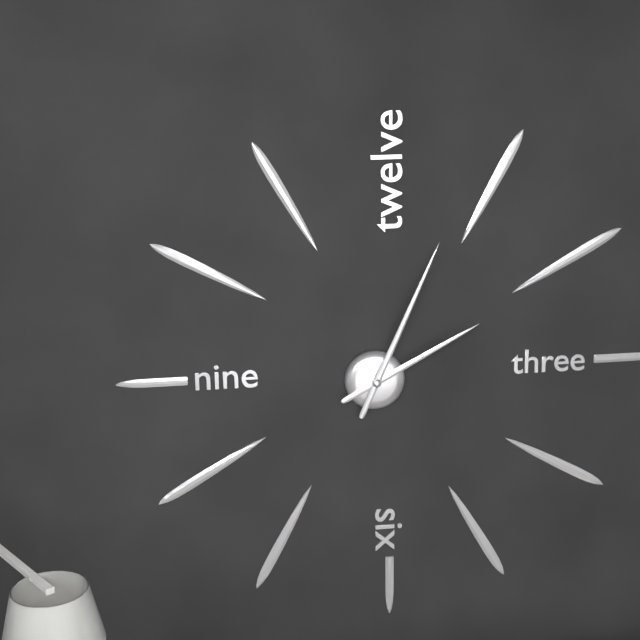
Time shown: {"hour": 2, "minute": 4}
